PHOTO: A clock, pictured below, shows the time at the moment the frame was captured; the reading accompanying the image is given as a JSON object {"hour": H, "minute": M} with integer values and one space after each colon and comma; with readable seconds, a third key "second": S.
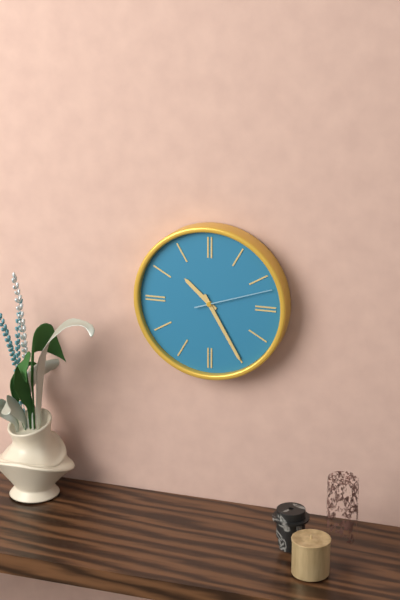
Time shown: {"hour": 10, "minute": 25, "second": 12}
